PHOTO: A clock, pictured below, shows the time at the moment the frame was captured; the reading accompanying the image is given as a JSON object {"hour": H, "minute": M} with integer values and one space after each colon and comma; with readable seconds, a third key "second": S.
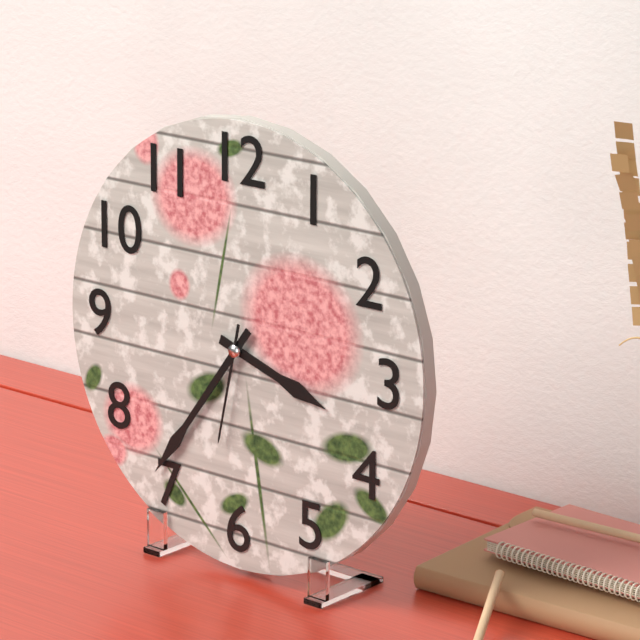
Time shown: {"hour": 3, "minute": 36, "second": 32}
